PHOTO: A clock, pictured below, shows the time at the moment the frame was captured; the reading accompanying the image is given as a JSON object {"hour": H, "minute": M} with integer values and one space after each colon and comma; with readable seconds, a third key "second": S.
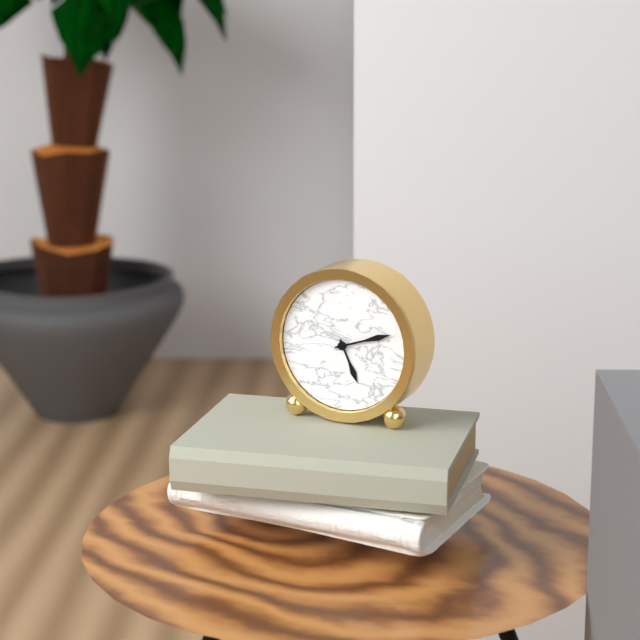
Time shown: {"hour": 5, "minute": 12}
